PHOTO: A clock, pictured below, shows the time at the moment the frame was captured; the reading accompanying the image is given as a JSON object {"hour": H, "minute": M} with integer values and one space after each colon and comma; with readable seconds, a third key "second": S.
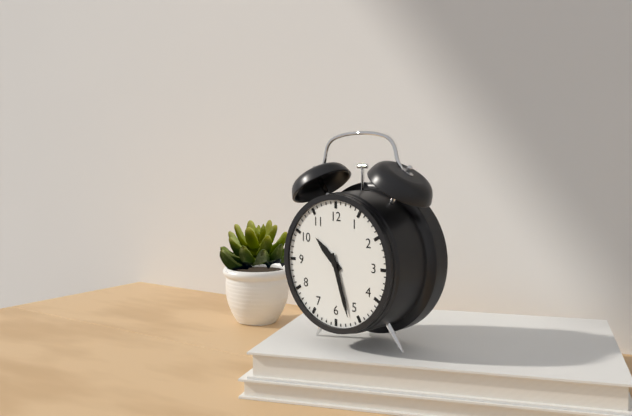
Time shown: {"hour": 10, "minute": 27}
